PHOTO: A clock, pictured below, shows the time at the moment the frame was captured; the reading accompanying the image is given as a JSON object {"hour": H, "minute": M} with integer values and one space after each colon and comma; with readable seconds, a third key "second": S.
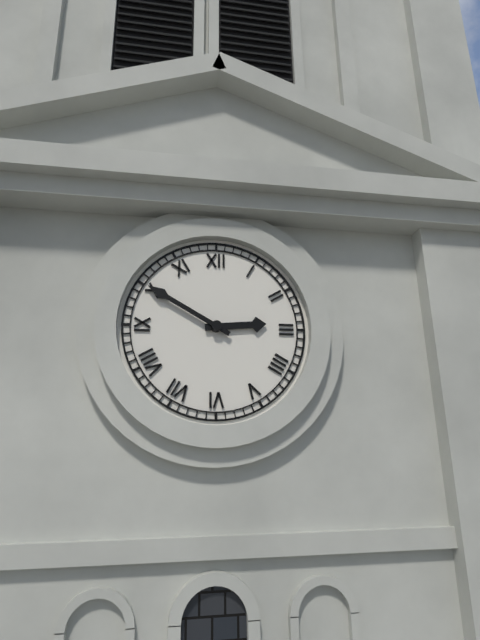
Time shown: {"hour": 2, "minute": 50}
